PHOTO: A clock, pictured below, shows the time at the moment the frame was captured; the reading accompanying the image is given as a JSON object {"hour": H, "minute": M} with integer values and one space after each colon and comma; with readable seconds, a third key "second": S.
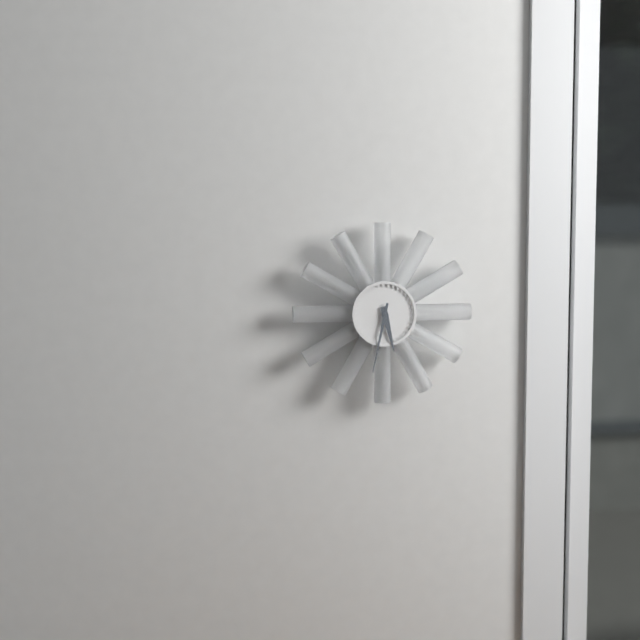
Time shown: {"hour": 5, "minute": 32}
